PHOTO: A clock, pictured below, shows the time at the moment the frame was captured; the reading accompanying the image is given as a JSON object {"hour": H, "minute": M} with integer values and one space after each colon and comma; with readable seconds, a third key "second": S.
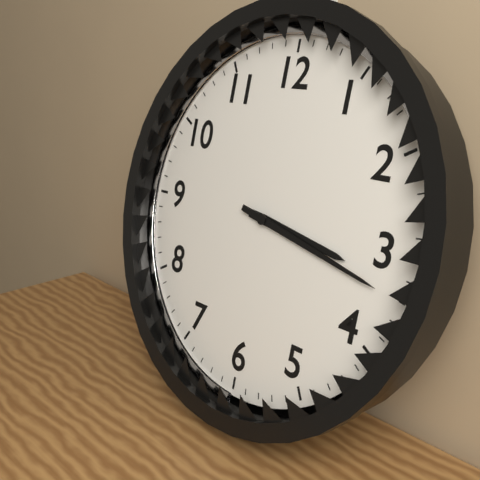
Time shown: {"hour": 3, "minute": 17}
